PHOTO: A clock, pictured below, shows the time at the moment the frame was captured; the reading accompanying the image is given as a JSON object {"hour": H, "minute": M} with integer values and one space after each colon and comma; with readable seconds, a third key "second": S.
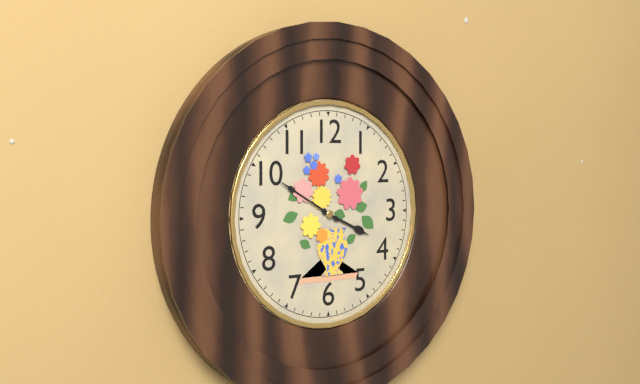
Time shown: {"hour": 3, "minute": 50}
